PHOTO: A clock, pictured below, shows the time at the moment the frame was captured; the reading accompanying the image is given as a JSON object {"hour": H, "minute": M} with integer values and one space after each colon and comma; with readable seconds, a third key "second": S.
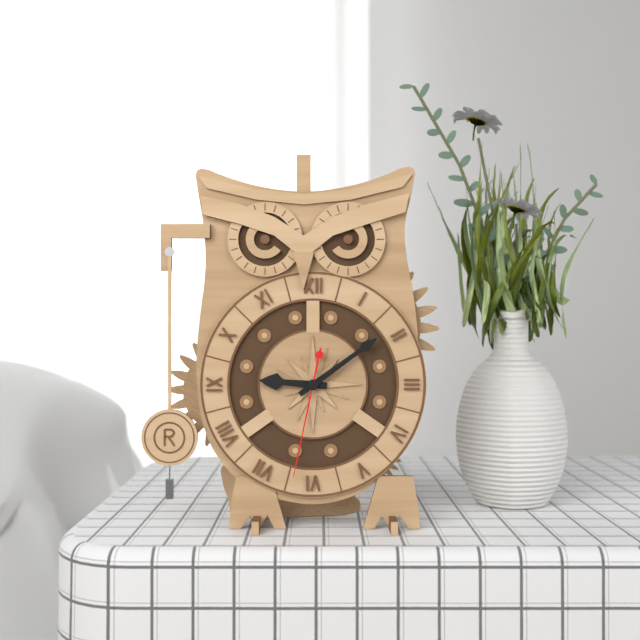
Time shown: {"hour": 9, "minute": 9, "second": 32}
